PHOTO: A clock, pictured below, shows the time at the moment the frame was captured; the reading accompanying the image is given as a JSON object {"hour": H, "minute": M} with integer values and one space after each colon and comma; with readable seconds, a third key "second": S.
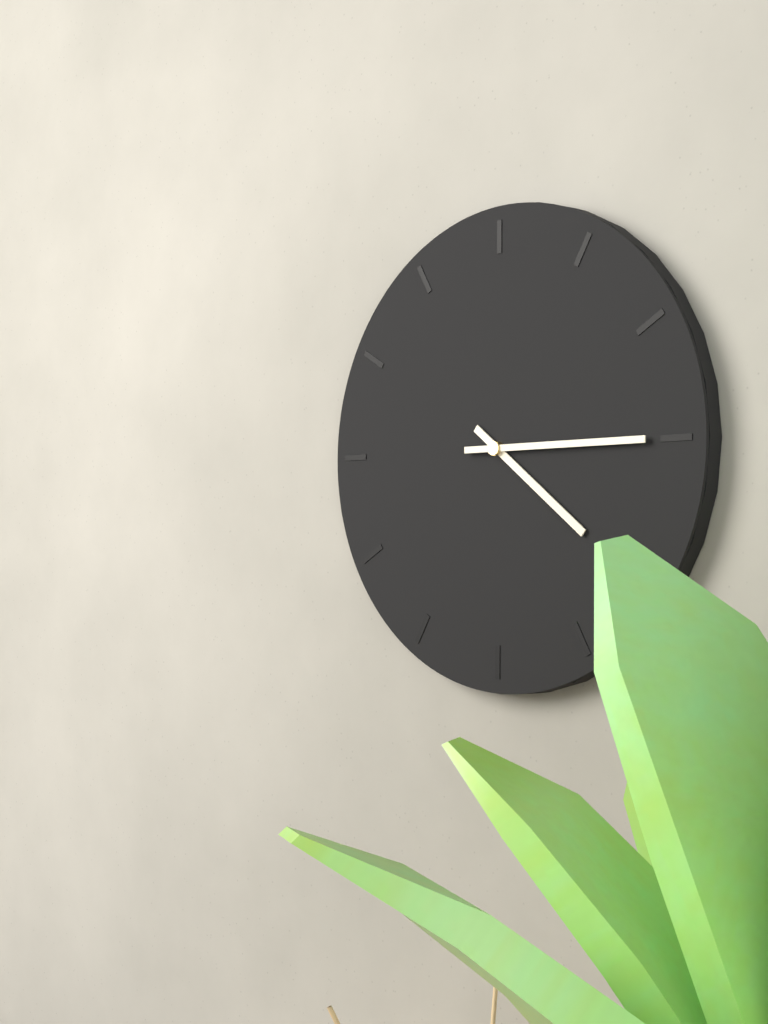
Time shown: {"hour": 4, "minute": 15}
